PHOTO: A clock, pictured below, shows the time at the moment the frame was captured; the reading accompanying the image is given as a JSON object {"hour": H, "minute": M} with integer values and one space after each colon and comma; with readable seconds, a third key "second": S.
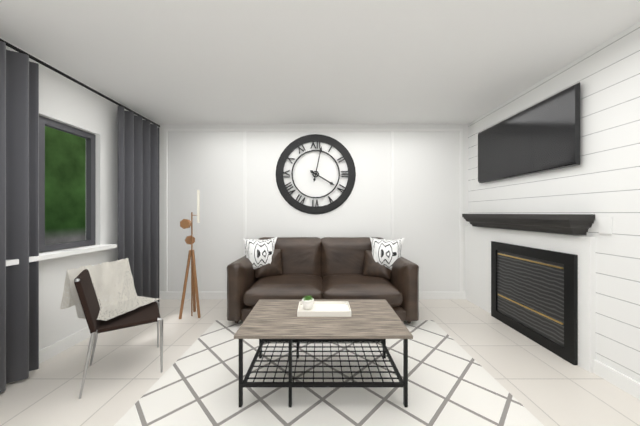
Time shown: {"hour": 4, "minute": 2}
